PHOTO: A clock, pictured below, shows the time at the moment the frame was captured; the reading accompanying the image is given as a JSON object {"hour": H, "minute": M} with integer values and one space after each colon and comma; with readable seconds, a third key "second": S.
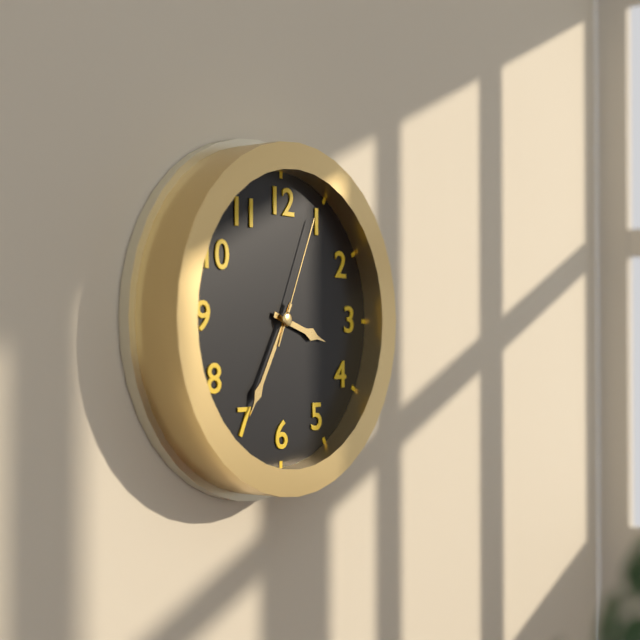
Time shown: {"hour": 3, "minute": 35, "second": 4}
